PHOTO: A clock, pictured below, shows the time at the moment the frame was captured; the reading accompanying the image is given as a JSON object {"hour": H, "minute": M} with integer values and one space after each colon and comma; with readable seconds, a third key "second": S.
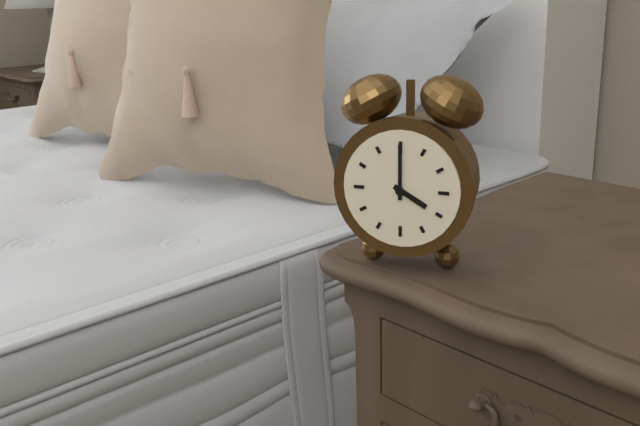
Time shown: {"hour": 4, "minute": 0}
